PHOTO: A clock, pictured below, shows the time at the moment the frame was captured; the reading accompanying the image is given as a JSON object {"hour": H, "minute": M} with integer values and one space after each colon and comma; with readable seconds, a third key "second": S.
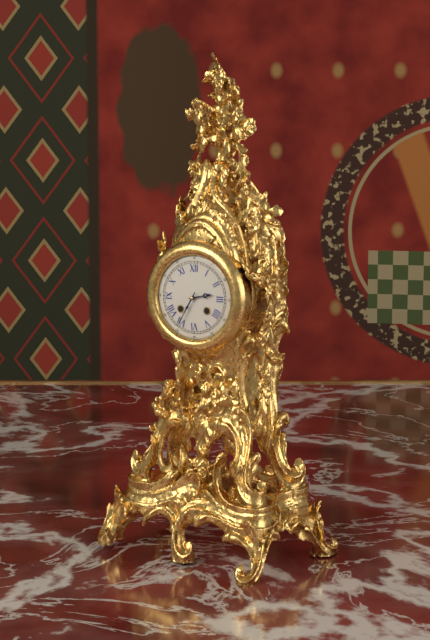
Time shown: {"hour": 2, "minute": 35}
